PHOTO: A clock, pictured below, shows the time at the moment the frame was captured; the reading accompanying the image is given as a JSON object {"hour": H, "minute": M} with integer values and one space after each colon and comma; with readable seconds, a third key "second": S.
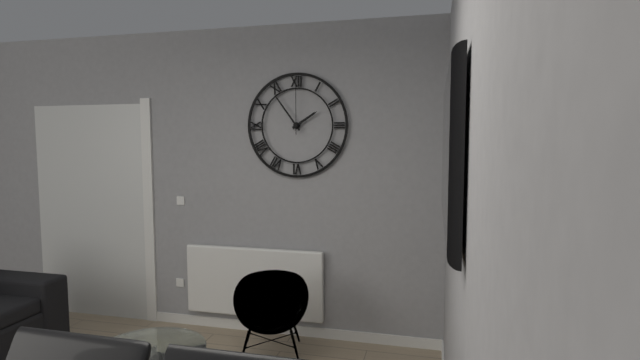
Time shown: {"hour": 1, "minute": 54, "second": 0}
